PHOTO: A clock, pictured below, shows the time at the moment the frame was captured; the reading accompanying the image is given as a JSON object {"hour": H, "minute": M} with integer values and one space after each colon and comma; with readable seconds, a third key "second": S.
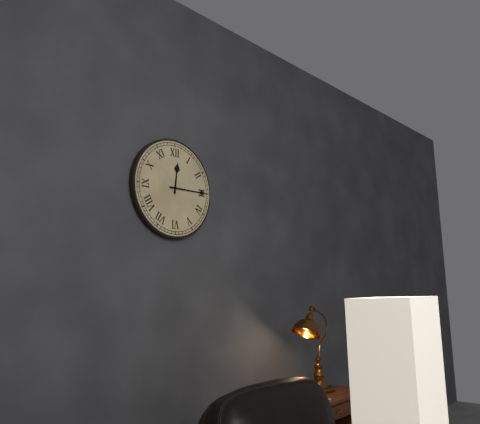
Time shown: {"hour": 12, "minute": 15}
